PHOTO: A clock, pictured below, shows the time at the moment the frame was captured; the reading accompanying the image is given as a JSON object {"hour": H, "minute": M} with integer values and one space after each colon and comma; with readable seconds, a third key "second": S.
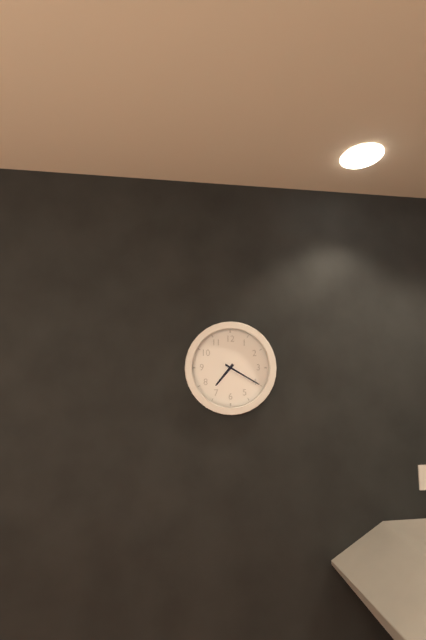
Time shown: {"hour": 7, "minute": 20}
